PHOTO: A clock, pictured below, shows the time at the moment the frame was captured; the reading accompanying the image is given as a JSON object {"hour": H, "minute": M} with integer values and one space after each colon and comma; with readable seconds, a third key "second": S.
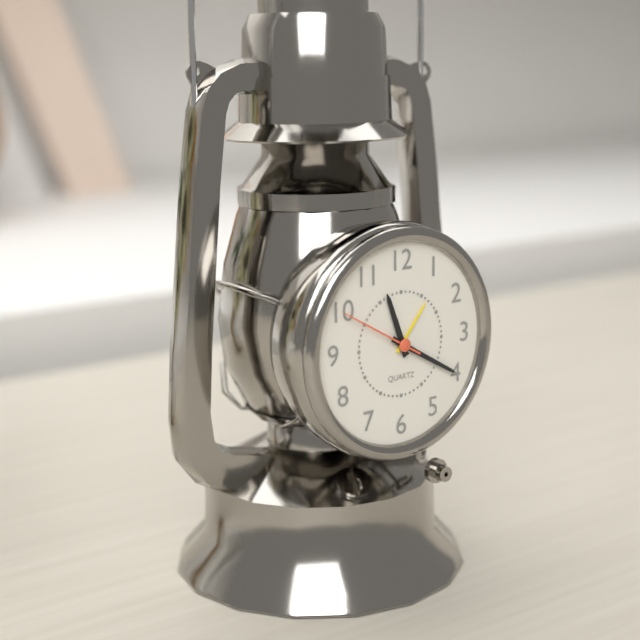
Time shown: {"hour": 11, "minute": 20, "second": 50}
